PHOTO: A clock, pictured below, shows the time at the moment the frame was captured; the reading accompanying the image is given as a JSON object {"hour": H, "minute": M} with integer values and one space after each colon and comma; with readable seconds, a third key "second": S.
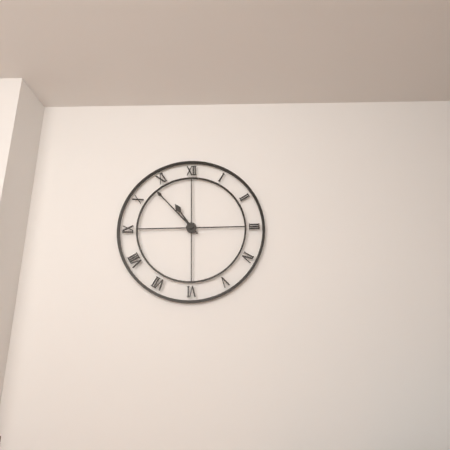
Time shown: {"hour": 10, "minute": 53}
